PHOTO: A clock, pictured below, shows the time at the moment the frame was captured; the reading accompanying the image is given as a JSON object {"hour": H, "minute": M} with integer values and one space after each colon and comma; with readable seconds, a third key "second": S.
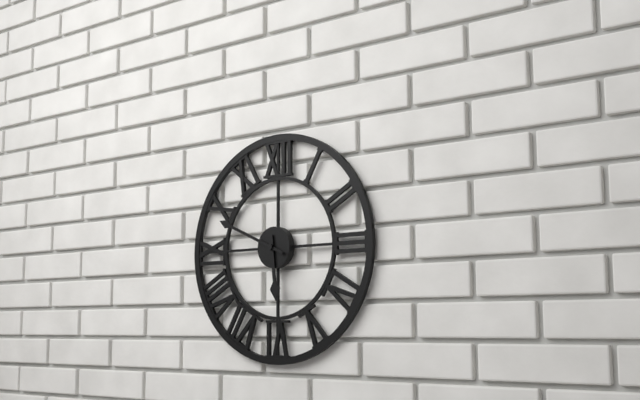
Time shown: {"hour": 5, "minute": 49}
